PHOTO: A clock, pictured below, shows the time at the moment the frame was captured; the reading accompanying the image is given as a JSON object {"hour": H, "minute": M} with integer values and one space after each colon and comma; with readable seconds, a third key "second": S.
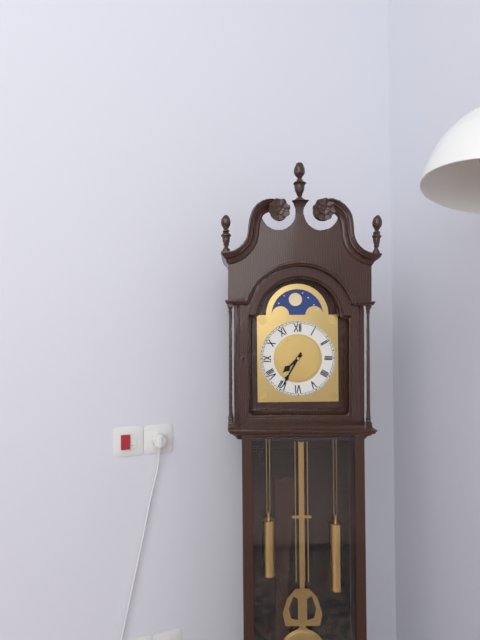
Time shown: {"hour": 7, "minute": 35}
